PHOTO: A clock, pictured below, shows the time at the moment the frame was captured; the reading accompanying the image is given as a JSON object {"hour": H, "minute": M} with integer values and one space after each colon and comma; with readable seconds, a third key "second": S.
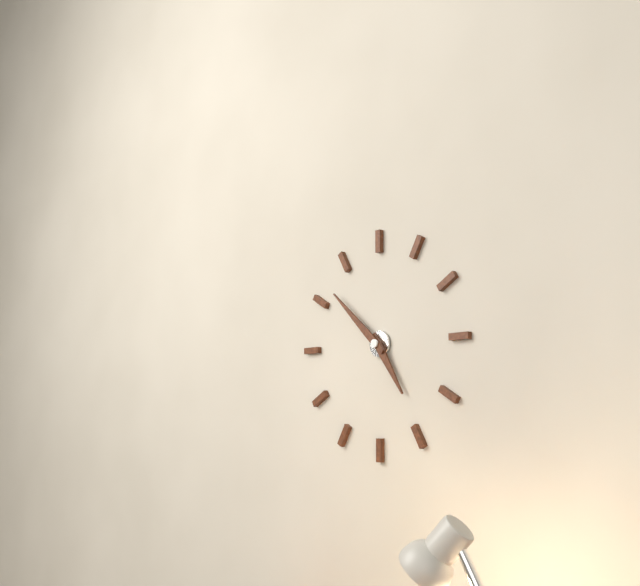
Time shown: {"hour": 4, "minute": 52}
